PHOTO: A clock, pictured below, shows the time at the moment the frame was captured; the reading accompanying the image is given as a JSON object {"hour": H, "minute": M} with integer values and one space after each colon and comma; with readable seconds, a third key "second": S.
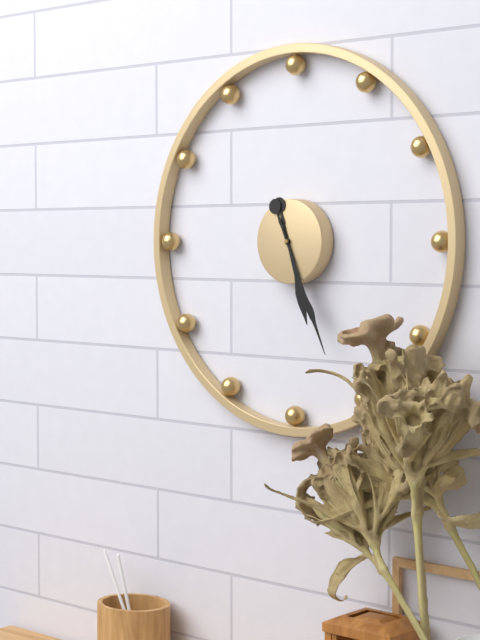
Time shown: {"hour": 5, "minute": 26}
